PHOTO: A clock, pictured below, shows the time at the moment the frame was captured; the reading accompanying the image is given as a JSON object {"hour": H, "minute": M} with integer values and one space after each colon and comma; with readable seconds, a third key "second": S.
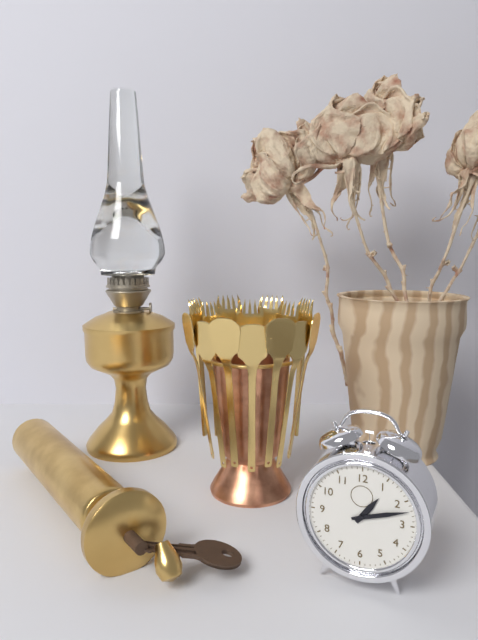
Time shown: {"hour": 1, "minute": 12}
